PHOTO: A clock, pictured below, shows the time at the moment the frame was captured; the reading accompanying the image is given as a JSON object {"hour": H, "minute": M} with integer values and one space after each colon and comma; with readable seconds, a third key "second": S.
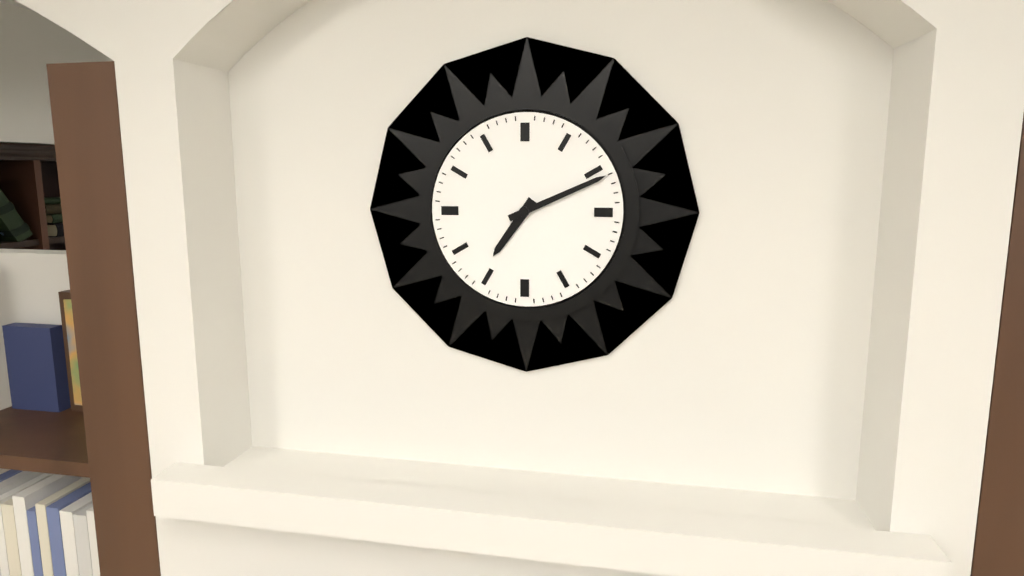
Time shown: {"hour": 7, "minute": 11}
